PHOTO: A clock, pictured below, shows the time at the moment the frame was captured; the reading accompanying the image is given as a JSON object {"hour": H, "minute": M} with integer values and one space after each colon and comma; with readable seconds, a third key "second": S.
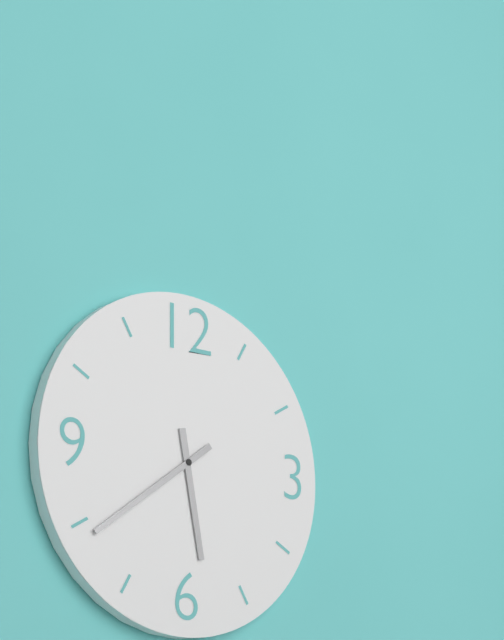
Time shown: {"hour": 5, "minute": 39}
